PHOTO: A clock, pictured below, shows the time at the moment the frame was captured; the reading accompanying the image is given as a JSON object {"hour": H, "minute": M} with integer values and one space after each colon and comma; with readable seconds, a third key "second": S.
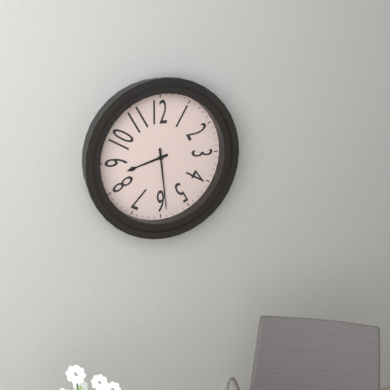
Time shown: {"hour": 8, "minute": 29}
